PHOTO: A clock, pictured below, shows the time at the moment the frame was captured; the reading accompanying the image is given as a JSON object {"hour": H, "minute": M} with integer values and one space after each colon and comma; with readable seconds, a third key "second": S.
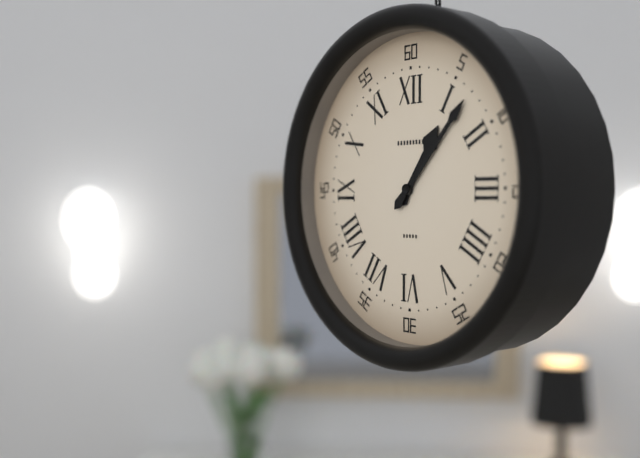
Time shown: {"hour": 1, "minute": 7}
